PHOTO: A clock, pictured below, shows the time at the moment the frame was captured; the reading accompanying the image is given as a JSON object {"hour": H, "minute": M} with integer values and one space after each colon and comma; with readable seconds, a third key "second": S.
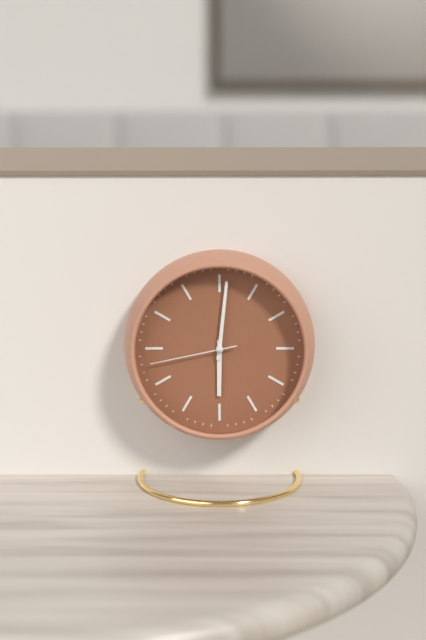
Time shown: {"hour": 6, "minute": 1, "second": 43}
